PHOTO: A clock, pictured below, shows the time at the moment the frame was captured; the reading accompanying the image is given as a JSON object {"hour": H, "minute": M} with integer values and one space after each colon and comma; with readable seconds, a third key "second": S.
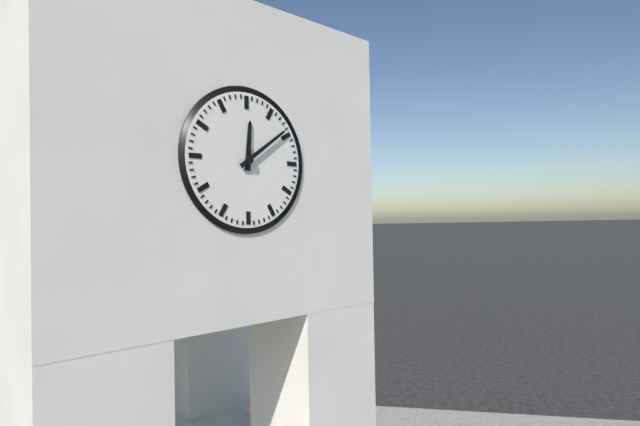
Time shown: {"hour": 12, "minute": 9}
